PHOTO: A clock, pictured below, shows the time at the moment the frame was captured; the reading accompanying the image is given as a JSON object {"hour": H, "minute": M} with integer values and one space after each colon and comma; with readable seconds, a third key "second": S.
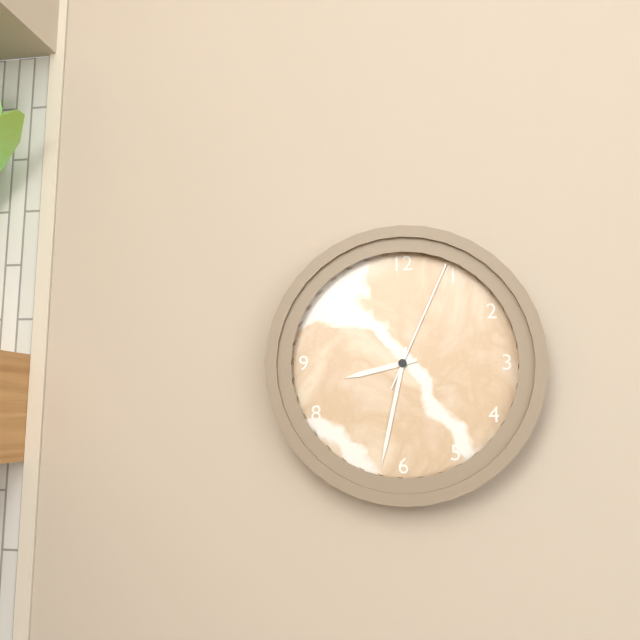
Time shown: {"hour": 8, "minute": 32, "second": 4}
